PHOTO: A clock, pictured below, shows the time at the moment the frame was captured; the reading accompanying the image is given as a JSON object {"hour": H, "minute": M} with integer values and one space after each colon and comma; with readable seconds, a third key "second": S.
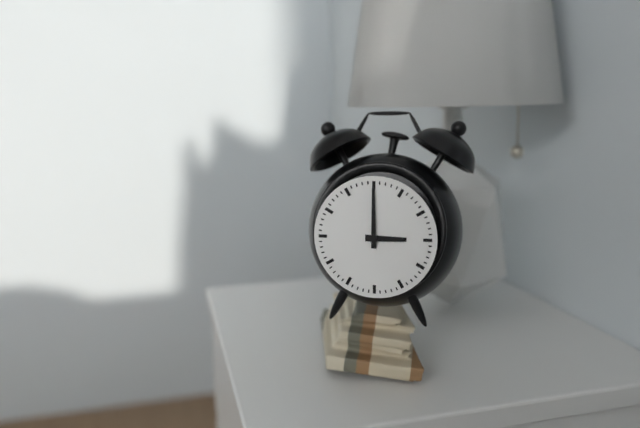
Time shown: {"hour": 3, "minute": 0}
